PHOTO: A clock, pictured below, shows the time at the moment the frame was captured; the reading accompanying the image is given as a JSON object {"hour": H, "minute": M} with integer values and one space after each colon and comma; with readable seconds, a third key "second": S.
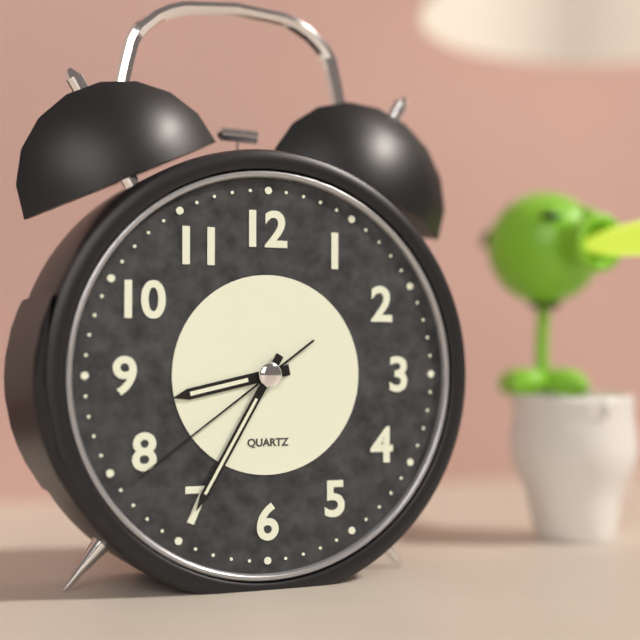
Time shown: {"hour": 8, "minute": 35, "second": 39}
